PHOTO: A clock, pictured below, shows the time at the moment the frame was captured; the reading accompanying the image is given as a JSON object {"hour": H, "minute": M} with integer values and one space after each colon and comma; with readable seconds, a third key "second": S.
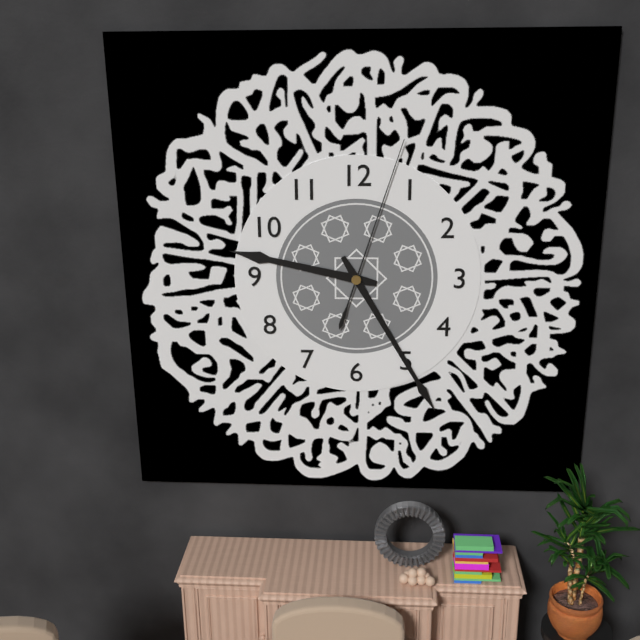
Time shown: {"hour": 9, "minute": 25, "second": 3}
